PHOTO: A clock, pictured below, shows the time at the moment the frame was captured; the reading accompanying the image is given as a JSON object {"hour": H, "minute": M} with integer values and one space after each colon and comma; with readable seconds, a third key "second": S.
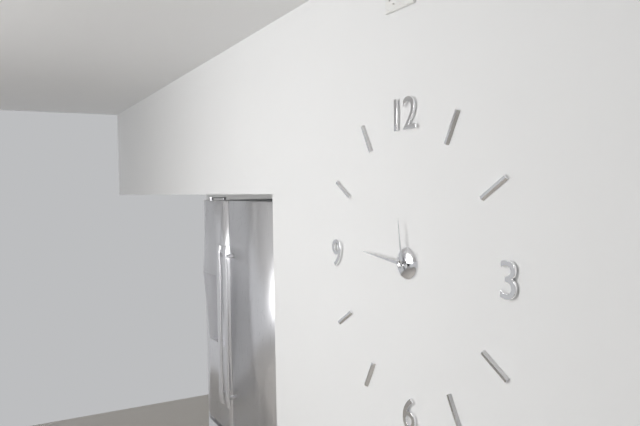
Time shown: {"hour": 11, "minute": 46}
